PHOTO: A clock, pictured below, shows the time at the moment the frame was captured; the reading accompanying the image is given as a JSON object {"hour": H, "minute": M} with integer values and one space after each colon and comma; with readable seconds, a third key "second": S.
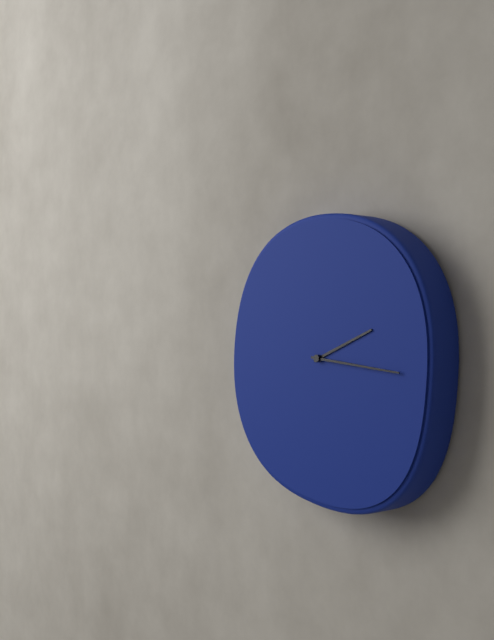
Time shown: {"hour": 2, "minute": 16}
